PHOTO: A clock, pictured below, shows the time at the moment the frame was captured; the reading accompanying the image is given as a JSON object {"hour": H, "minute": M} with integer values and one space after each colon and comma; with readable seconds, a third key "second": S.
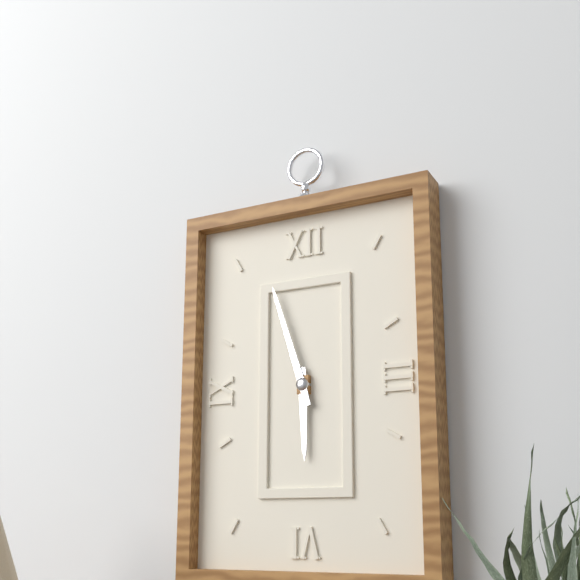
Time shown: {"hour": 5, "minute": 57}
